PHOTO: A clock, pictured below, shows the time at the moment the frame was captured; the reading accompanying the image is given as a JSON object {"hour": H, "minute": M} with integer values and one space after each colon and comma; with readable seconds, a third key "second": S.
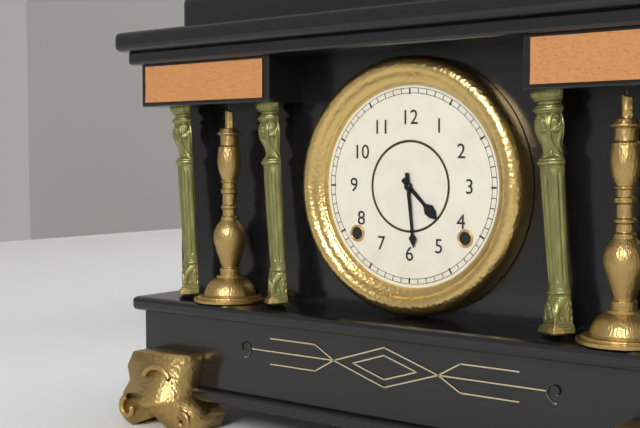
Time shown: {"hour": 4, "minute": 29}
